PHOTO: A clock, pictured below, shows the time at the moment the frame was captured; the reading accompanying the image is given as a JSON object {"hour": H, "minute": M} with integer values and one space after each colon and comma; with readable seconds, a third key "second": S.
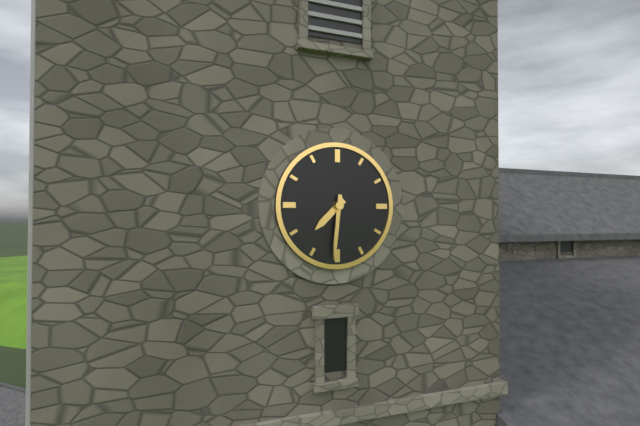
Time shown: {"hour": 7, "minute": 31}
